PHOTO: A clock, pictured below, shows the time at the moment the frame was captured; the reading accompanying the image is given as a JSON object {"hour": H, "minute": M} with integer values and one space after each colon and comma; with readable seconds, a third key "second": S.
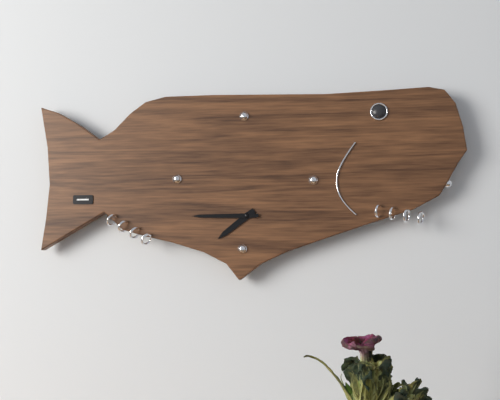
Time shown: {"hour": 7, "minute": 45}
